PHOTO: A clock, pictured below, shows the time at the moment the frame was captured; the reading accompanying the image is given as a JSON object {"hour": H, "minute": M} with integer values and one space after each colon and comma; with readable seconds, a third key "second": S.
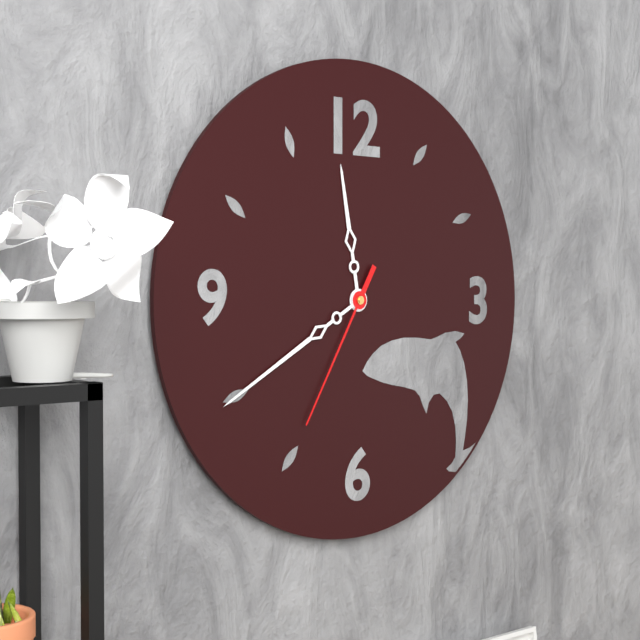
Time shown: {"hour": 11, "minute": 40, "second": 35}
